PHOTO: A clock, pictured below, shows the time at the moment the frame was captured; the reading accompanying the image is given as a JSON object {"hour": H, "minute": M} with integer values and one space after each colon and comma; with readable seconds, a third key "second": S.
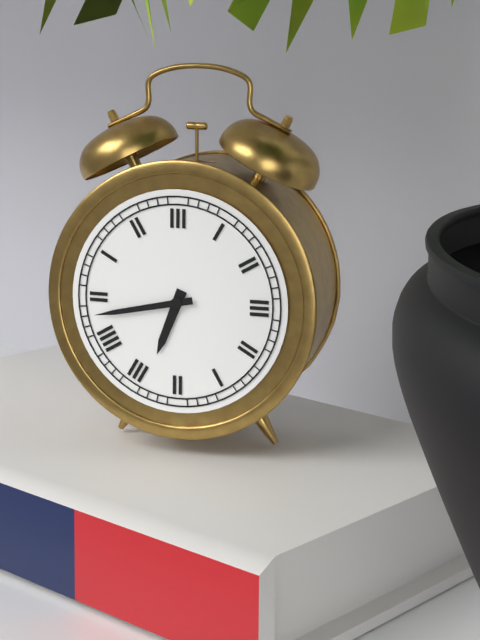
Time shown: {"hour": 6, "minute": 43}
